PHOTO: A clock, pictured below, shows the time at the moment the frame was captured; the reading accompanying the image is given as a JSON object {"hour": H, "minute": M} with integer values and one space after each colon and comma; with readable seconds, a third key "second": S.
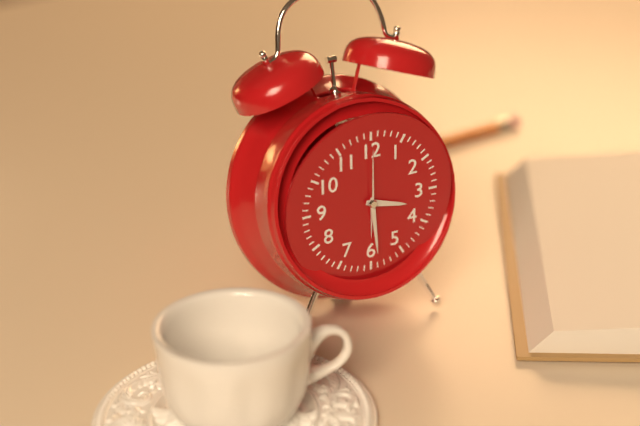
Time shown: {"hour": 3, "minute": 29, "second": 0}
